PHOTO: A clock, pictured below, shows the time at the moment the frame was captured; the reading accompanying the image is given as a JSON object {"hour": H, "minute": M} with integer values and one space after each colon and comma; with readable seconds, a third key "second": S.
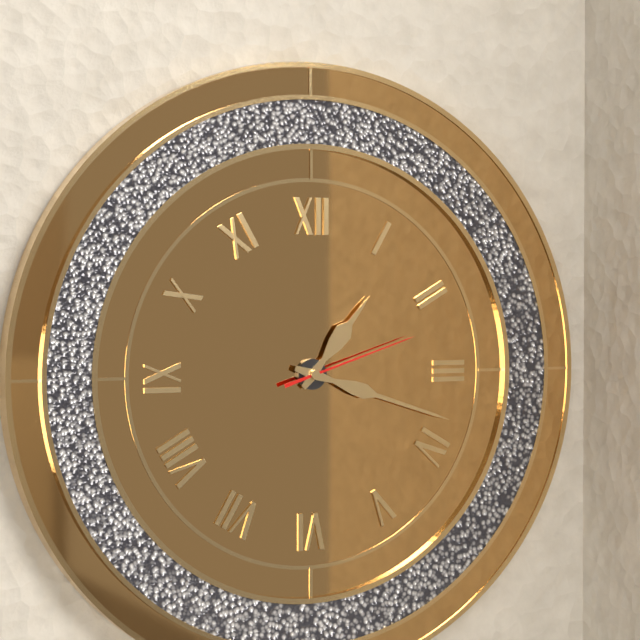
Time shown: {"hour": 1, "minute": 18, "second": 12}
